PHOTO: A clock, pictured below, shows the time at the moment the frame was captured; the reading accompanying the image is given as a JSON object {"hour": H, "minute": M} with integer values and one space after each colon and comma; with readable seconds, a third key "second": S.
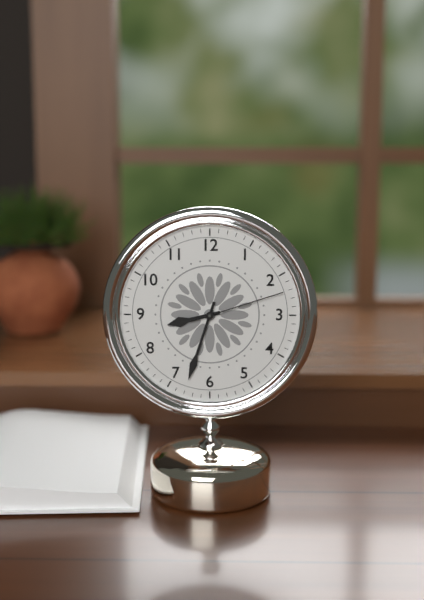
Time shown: {"hour": 8, "minute": 33, "second": 12}
